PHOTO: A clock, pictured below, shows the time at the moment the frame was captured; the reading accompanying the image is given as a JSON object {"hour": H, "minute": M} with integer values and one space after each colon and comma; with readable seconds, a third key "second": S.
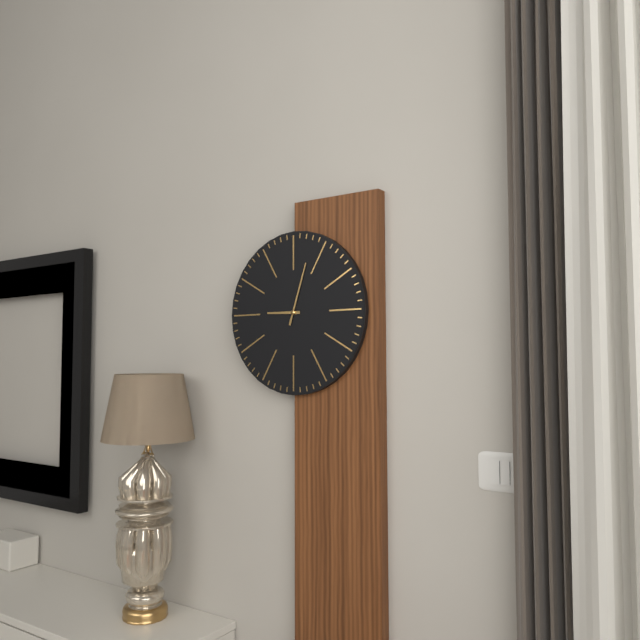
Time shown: {"hour": 9, "minute": 3}
